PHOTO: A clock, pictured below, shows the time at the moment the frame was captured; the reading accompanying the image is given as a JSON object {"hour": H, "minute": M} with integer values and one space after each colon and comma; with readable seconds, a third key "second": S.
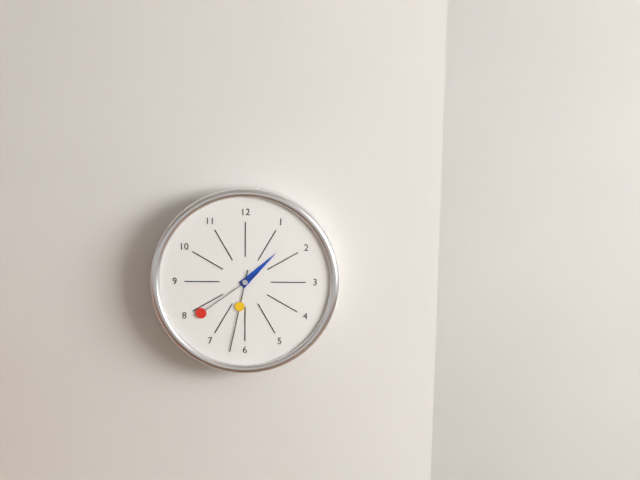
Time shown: {"hour": 1, "minute": 32, "second": 39}
